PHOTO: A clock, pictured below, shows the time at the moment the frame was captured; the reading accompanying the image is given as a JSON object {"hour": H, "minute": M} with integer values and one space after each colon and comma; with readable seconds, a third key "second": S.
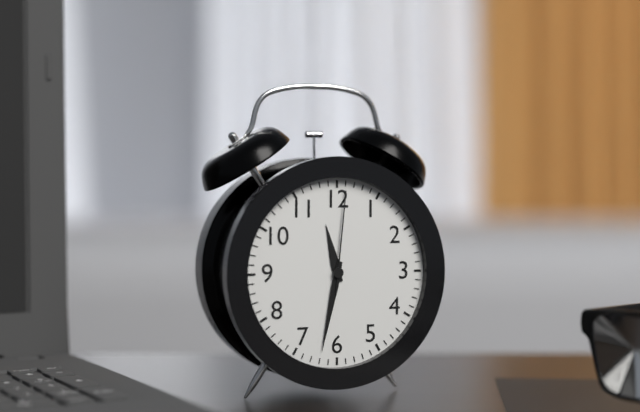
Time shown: {"hour": 11, "minute": 32, "second": 1}
